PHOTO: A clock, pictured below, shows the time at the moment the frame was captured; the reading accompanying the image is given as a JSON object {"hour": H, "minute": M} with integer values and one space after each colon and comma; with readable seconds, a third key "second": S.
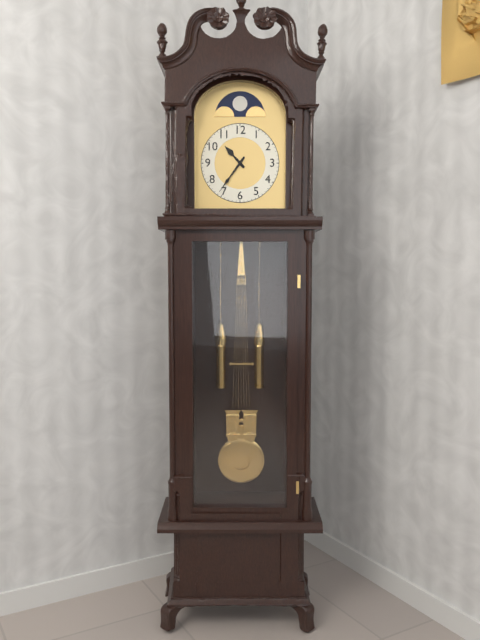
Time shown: {"hour": 10, "minute": 36}
